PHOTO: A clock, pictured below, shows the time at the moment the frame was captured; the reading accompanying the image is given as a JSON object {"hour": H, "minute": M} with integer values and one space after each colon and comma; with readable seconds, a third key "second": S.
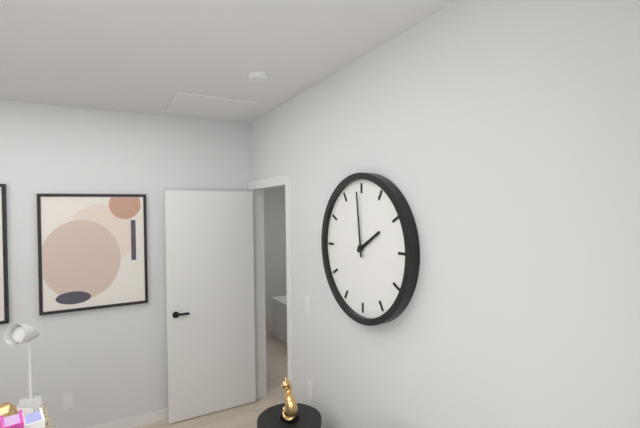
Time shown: {"hour": 1, "minute": 59}
